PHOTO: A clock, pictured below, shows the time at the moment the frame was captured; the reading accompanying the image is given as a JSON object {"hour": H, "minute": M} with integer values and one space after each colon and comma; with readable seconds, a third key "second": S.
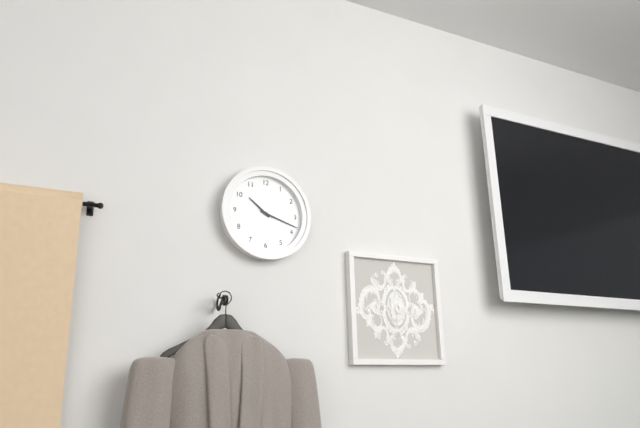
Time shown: {"hour": 10, "minute": 18}
